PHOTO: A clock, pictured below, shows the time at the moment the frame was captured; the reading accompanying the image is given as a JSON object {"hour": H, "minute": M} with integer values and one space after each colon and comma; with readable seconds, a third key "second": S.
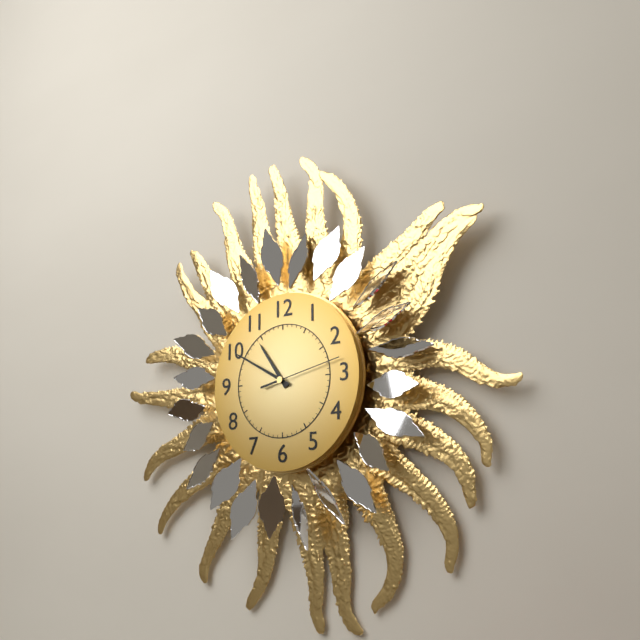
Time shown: {"hour": 10, "minute": 50, "second": 13}
